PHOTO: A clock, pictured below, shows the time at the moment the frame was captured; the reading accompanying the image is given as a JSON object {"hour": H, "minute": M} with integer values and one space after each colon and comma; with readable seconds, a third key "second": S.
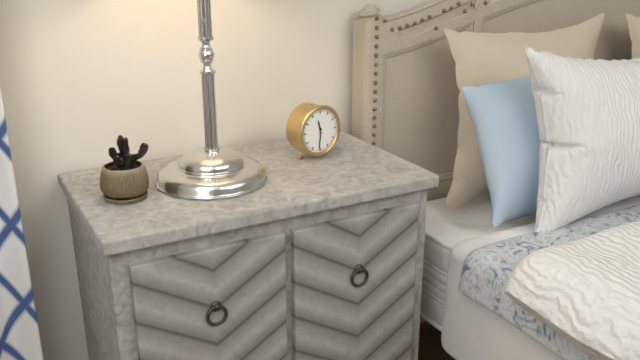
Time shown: {"hour": 11, "minute": 31}
